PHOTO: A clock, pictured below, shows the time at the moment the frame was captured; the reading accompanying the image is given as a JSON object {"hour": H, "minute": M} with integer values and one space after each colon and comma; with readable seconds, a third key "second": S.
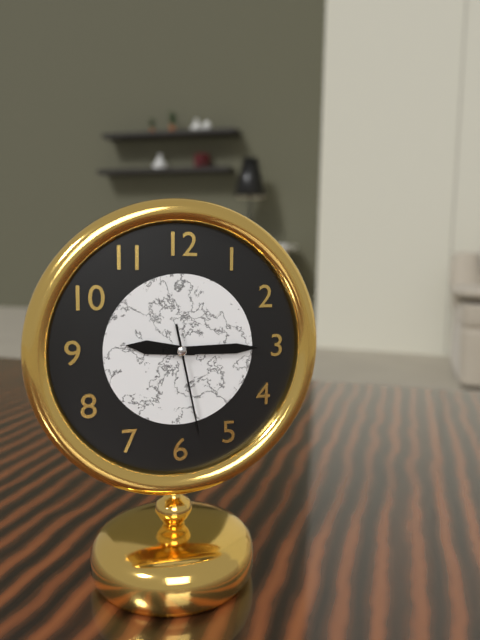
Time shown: {"hour": 9, "minute": 15, "second": 28}
